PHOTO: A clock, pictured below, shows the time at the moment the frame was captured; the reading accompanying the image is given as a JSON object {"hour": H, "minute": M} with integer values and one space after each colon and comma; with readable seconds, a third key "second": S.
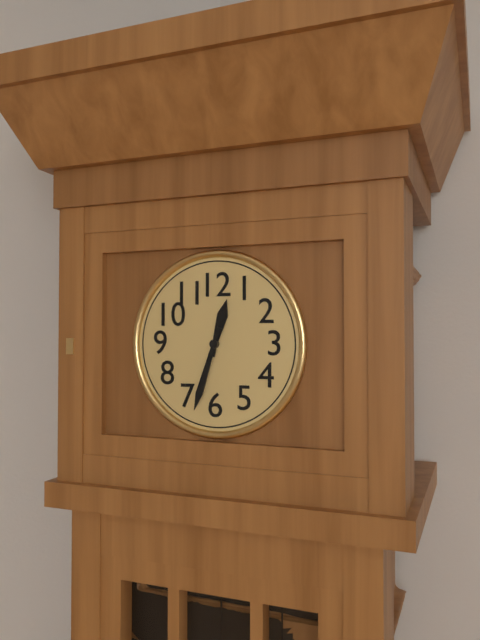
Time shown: {"hour": 12, "minute": 33}
